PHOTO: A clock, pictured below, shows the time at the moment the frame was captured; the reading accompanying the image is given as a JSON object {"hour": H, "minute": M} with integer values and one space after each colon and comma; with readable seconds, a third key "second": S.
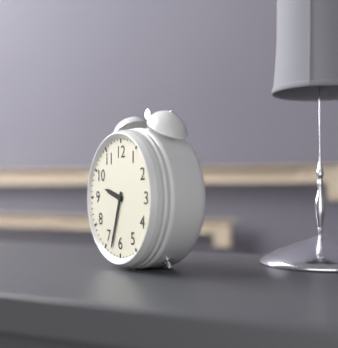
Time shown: {"hour": 9, "minute": 33}
